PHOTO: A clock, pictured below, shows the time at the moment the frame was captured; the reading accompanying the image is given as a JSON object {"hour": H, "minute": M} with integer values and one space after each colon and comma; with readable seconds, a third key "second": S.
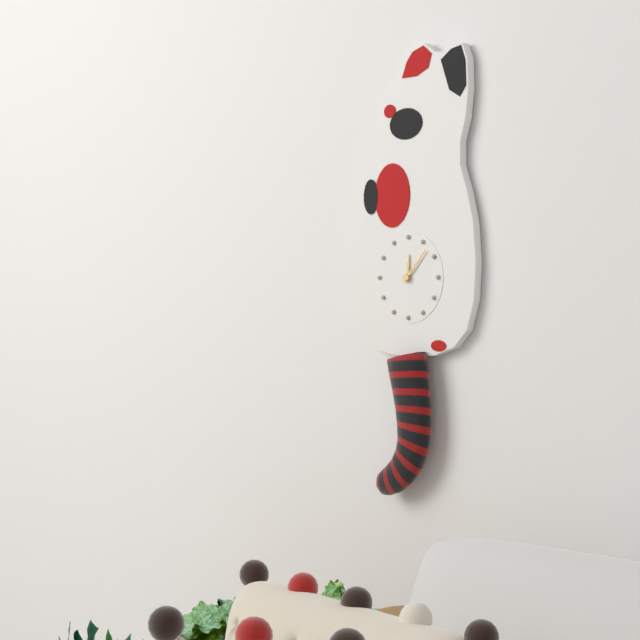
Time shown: {"hour": 12, "minute": 7}
